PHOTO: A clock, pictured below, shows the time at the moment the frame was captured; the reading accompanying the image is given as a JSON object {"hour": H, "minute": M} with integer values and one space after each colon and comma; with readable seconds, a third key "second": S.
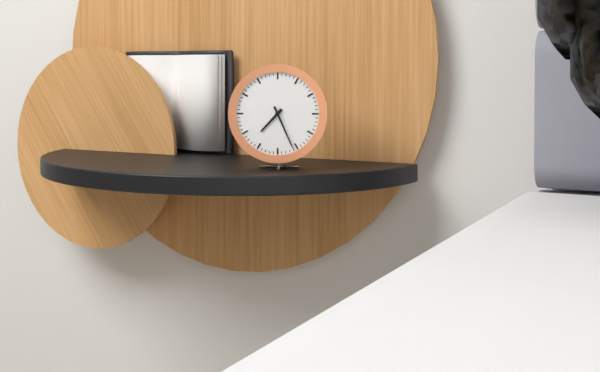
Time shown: {"hour": 7, "minute": 26}
